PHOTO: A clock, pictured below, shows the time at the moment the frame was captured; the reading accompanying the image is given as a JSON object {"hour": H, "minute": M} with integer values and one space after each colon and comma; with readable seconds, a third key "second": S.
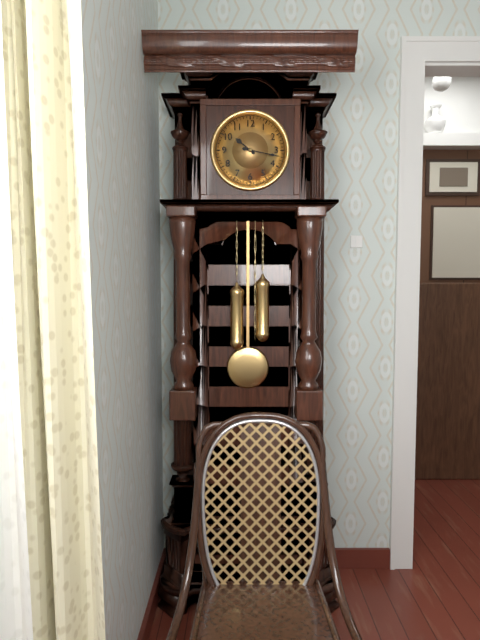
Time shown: {"hour": 10, "minute": 17}
